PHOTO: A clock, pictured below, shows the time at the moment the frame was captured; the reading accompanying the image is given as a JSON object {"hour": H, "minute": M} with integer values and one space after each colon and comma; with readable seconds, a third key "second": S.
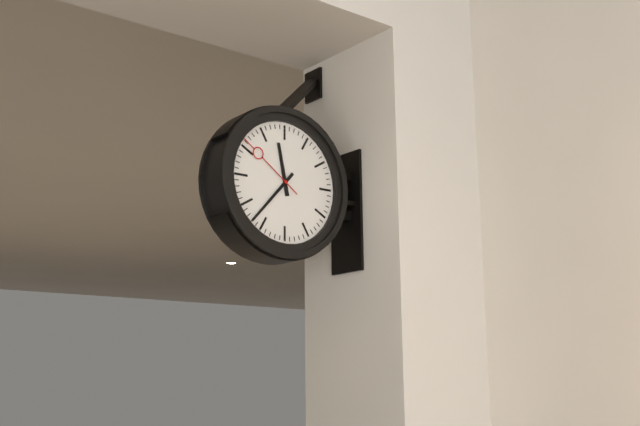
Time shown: {"hour": 11, "minute": 37, "second": 51}
